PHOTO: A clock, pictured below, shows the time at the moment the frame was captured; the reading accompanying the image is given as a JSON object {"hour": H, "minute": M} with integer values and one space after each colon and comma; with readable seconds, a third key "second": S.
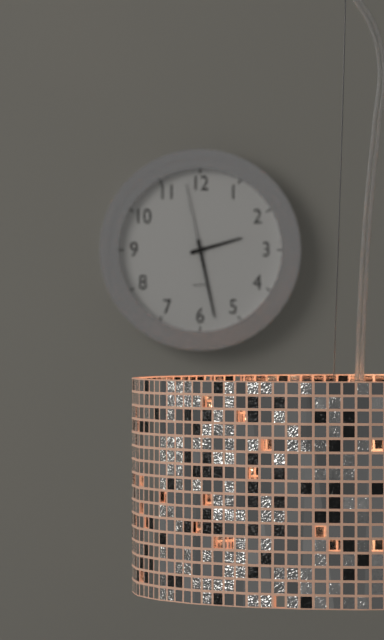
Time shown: {"hour": 2, "minute": 28, "second": 58}
